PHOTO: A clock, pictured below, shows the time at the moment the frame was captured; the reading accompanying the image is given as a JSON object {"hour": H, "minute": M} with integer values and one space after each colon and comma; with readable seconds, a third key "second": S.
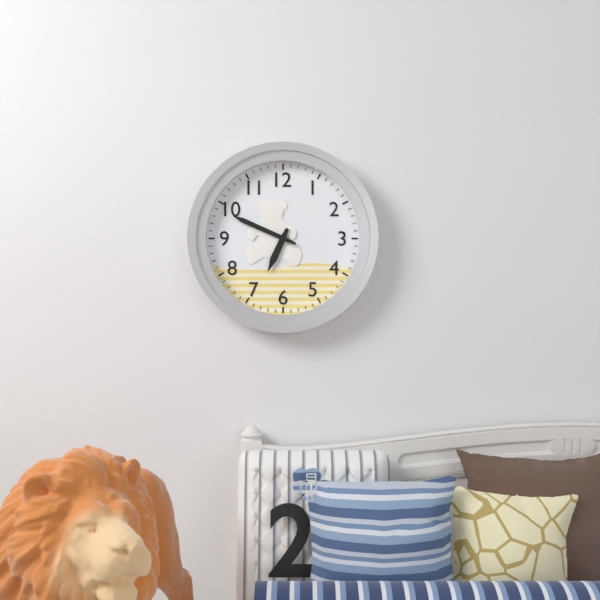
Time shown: {"hour": 6, "minute": 49}
